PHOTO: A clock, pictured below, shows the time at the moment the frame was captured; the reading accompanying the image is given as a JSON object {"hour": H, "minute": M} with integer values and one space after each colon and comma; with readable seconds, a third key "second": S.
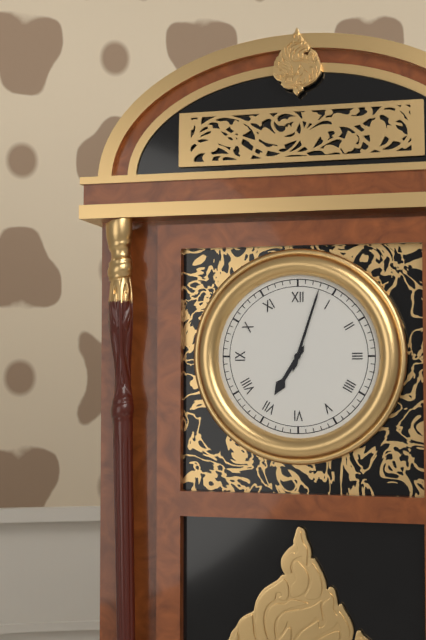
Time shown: {"hour": 7, "minute": 3}
